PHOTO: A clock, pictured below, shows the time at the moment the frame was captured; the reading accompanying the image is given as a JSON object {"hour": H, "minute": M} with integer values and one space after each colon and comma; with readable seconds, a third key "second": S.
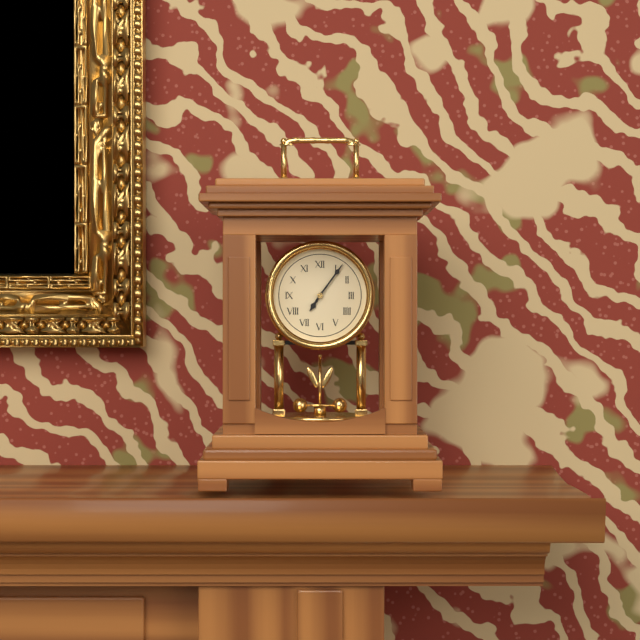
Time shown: {"hour": 7, "minute": 6}
